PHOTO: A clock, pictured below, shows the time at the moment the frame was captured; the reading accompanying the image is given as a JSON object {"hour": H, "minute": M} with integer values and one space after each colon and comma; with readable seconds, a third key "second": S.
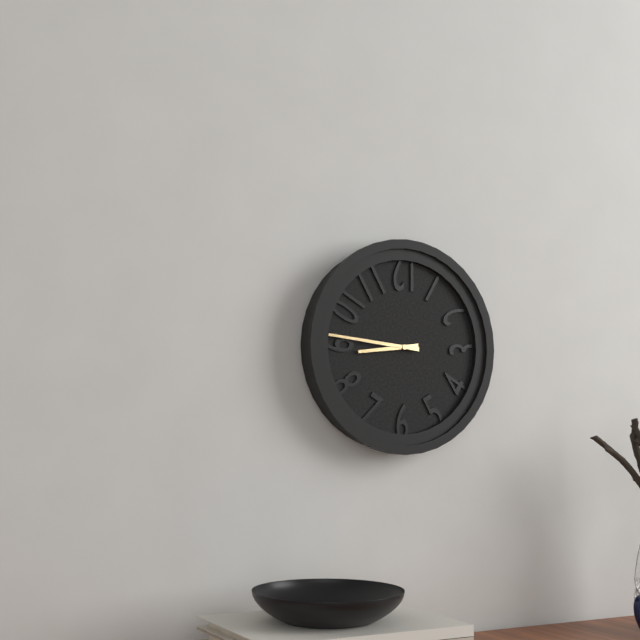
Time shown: {"hour": 8, "minute": 46}
